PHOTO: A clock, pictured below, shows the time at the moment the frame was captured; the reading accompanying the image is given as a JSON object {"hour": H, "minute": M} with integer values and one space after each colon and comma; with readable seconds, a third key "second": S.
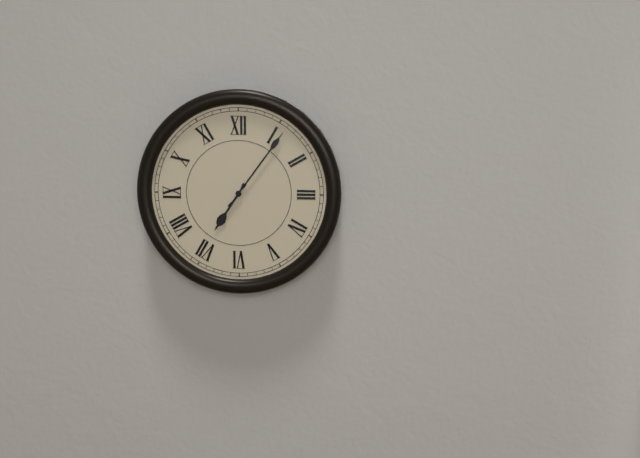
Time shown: {"hour": 7, "minute": 6}
